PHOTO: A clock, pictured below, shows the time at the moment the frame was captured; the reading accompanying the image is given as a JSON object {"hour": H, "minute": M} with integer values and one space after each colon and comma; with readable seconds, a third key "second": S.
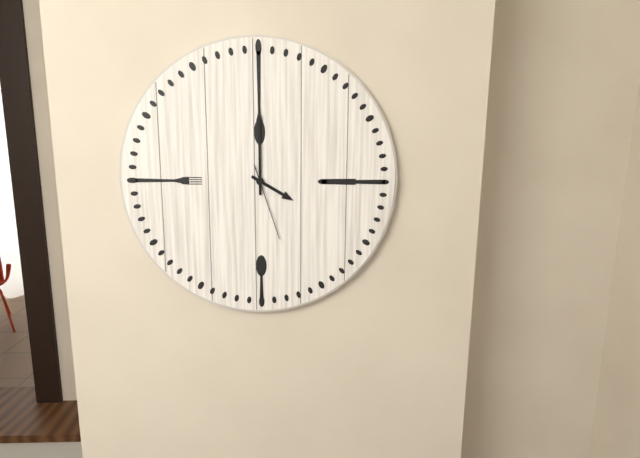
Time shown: {"hour": 4, "minute": 0, "second": 27}
